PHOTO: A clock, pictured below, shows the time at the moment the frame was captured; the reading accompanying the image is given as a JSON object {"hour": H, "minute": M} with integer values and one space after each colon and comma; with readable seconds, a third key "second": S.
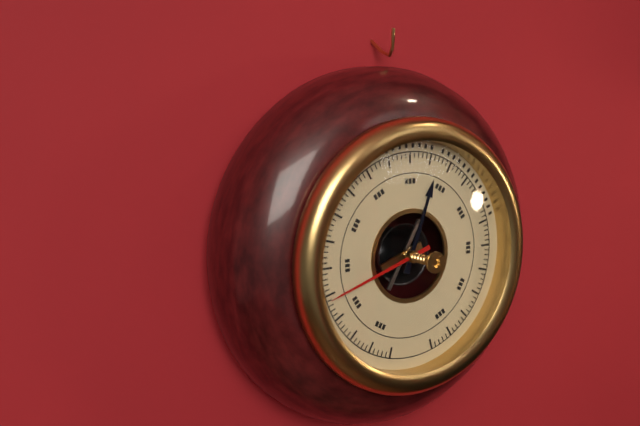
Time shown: {"hour": 12, "minute": 42}
